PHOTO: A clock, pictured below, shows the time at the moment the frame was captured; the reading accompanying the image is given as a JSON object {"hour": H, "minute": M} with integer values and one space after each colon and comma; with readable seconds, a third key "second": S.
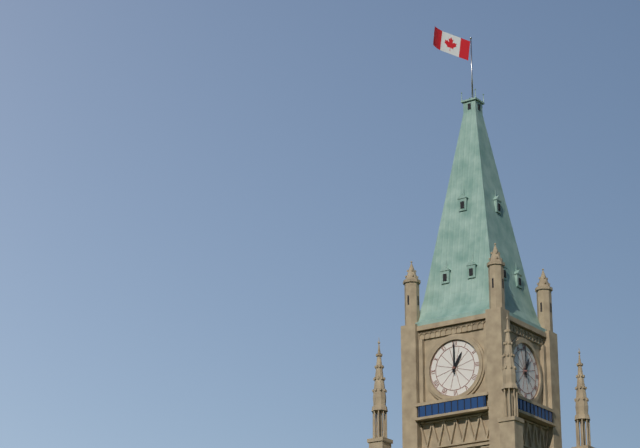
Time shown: {"hour": 1, "minute": 0}
